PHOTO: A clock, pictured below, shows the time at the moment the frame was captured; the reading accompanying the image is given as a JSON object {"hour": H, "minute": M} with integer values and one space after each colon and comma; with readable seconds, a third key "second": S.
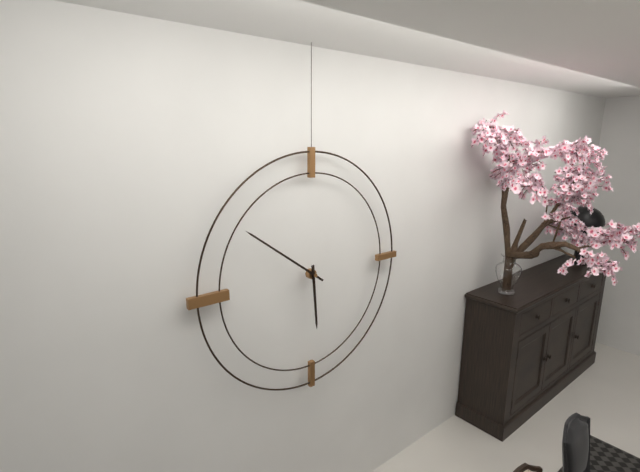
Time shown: {"hour": 5, "minute": 51}
